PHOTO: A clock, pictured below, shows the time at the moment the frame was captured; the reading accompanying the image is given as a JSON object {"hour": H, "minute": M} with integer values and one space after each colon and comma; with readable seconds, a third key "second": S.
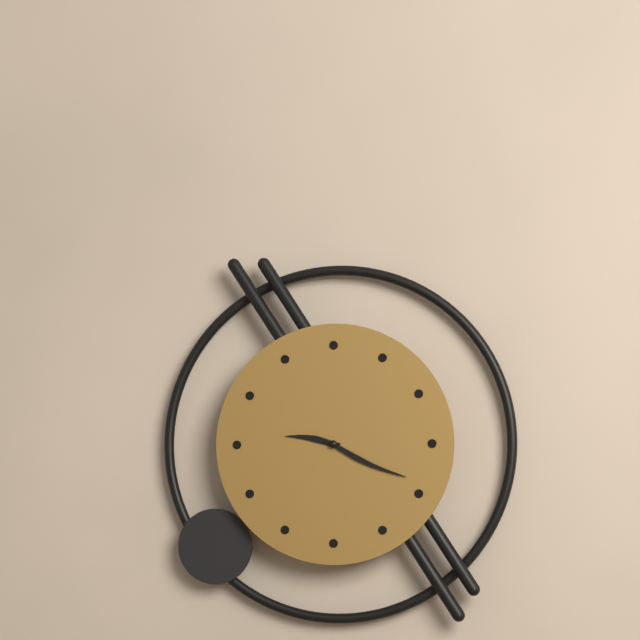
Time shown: {"hour": 9, "minute": 19}
